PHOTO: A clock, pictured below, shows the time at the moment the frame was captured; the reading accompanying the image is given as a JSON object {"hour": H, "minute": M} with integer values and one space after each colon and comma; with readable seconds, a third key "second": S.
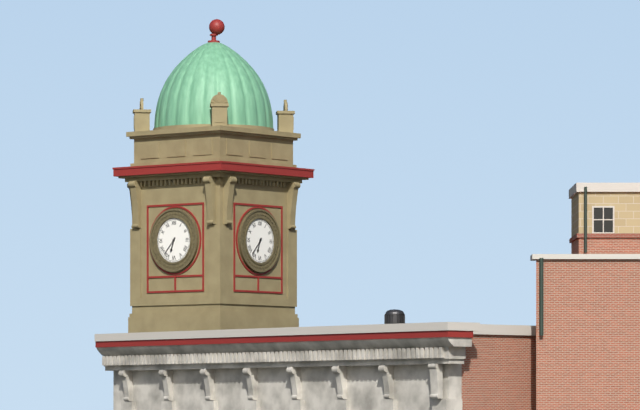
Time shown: {"hour": 6, "minute": 37}
